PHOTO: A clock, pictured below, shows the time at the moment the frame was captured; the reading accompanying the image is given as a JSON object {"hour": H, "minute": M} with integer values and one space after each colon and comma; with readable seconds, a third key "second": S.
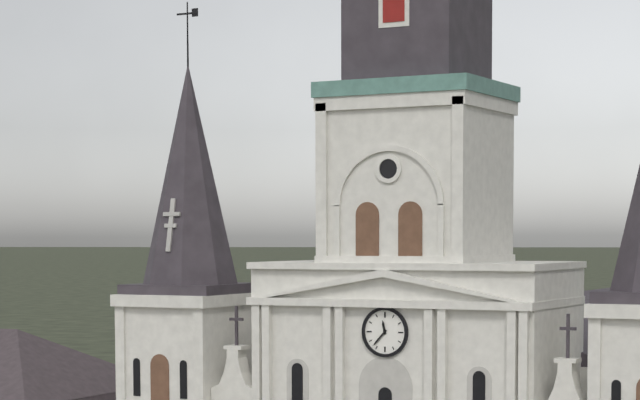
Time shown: {"hour": 11, "minute": 37}
